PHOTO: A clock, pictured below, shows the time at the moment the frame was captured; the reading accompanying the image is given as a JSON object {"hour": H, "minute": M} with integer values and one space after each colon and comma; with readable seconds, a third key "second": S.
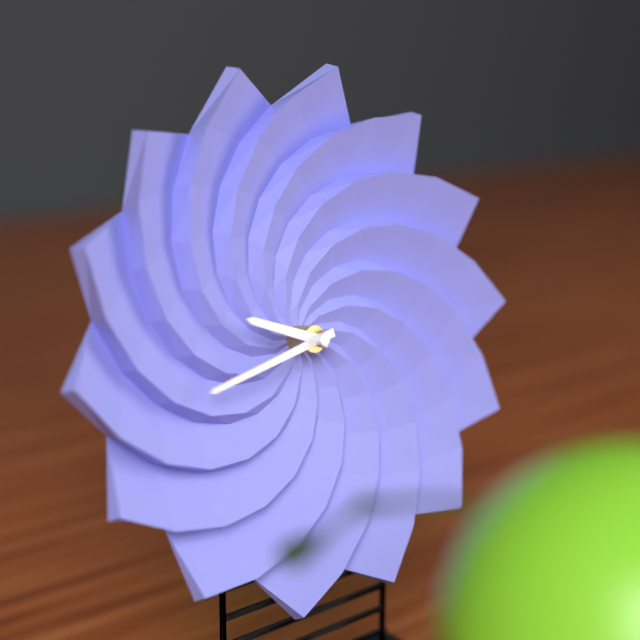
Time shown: {"hour": 9, "minute": 43}
